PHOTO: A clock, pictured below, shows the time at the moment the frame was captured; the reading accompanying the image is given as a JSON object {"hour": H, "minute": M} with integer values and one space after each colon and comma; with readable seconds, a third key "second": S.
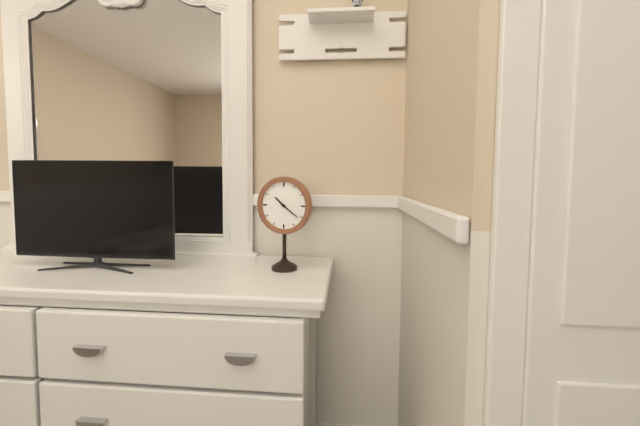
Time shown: {"hour": 10, "minute": 21}
